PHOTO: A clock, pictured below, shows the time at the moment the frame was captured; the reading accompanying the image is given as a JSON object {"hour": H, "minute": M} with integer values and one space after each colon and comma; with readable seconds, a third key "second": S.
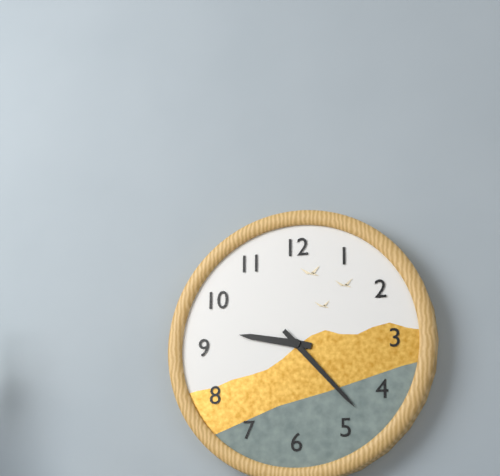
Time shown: {"hour": 9, "minute": 23}
